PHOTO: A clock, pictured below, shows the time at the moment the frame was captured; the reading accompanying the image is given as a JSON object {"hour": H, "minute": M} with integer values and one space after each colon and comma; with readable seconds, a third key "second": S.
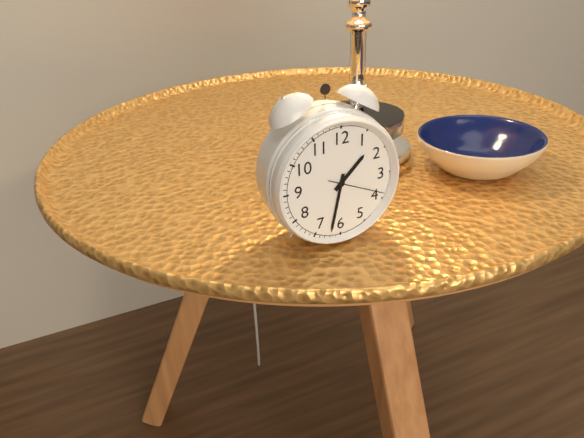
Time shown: {"hour": 1, "minute": 32, "second": 19}
